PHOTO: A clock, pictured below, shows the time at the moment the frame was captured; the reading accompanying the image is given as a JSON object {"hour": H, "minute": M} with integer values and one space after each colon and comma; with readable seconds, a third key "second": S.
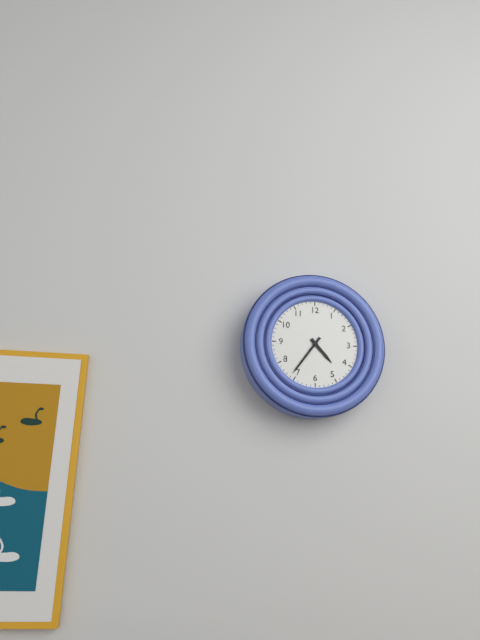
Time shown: {"hour": 4, "minute": 36}
